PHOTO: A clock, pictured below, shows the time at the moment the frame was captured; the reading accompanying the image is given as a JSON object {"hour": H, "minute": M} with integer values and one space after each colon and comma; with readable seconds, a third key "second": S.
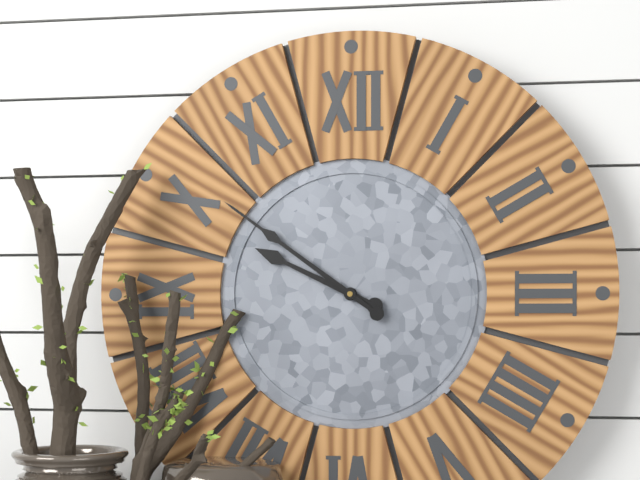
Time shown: {"hour": 9, "minute": 51}
